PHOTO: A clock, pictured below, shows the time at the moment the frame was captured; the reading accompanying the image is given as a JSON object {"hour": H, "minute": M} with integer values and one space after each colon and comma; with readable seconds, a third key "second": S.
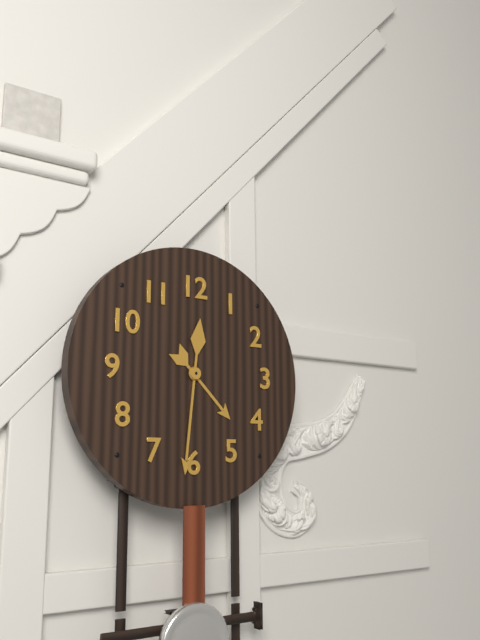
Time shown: {"hour": 4, "minute": 31}
